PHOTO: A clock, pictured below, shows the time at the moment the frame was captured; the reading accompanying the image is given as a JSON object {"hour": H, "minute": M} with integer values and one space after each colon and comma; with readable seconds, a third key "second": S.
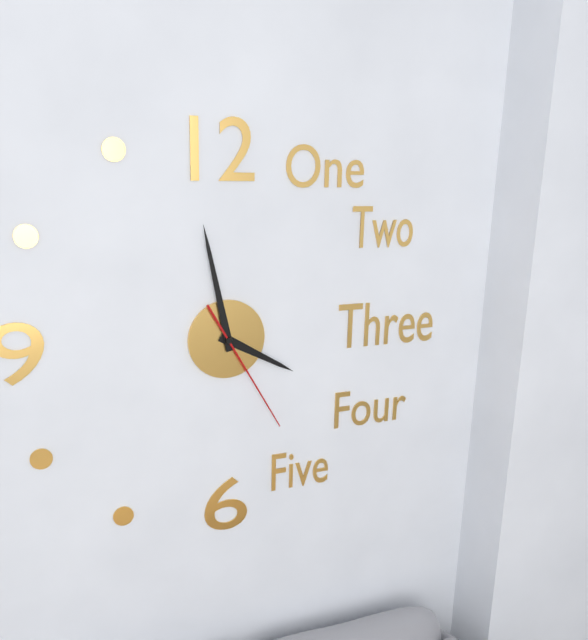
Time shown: {"hour": 3, "minute": 58, "second": 25}
